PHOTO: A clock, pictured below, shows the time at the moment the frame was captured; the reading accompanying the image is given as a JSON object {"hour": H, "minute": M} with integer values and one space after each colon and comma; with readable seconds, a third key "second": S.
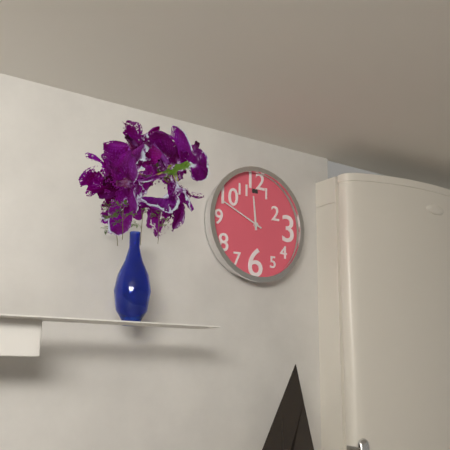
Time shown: {"hour": 11, "minute": 49}
